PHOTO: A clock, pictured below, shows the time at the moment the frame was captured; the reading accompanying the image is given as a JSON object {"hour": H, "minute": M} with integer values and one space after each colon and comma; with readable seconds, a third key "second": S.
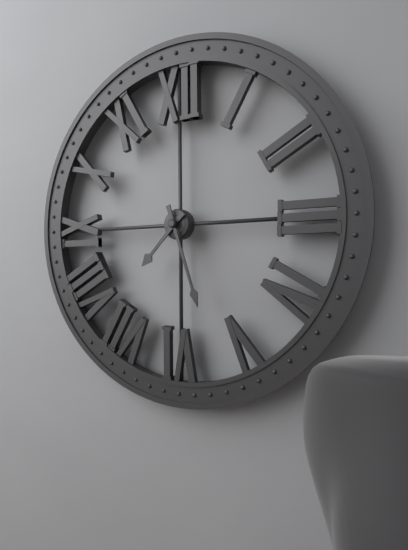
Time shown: {"hour": 7, "minute": 27}
